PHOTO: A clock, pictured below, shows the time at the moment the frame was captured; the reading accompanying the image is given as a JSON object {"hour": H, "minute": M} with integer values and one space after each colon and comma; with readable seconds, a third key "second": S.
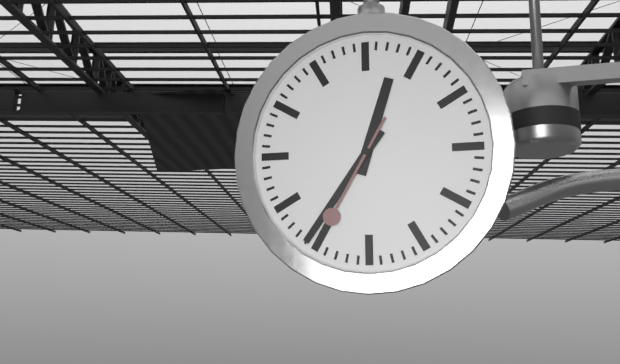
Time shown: {"hour": 12, "minute": 36, "second": 35}
